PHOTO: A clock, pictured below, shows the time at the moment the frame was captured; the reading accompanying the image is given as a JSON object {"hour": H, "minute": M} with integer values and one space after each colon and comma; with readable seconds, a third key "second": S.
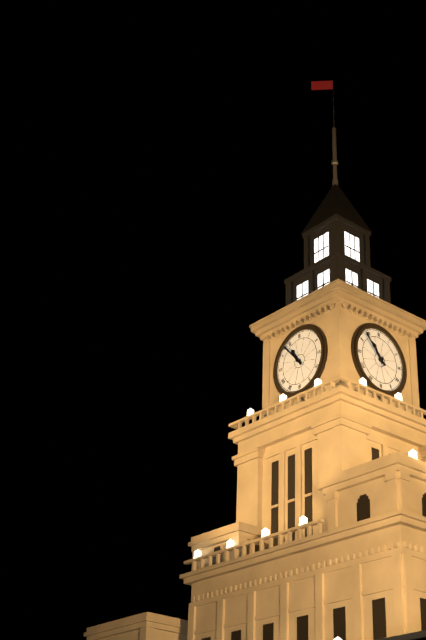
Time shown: {"hour": 10, "minute": 53}
